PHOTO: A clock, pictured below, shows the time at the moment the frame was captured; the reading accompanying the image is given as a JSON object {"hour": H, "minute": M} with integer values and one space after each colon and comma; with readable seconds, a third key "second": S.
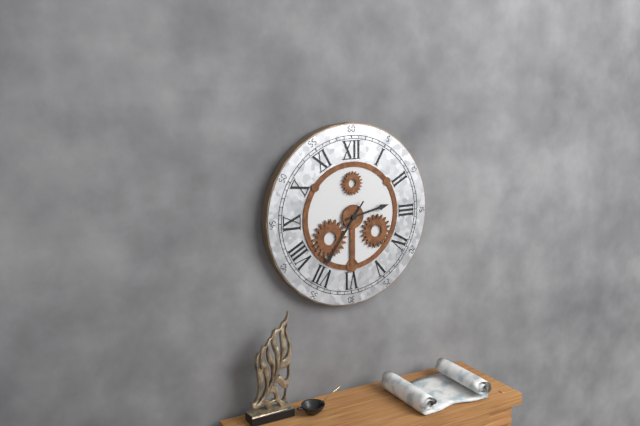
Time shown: {"hour": 2, "minute": 36}
